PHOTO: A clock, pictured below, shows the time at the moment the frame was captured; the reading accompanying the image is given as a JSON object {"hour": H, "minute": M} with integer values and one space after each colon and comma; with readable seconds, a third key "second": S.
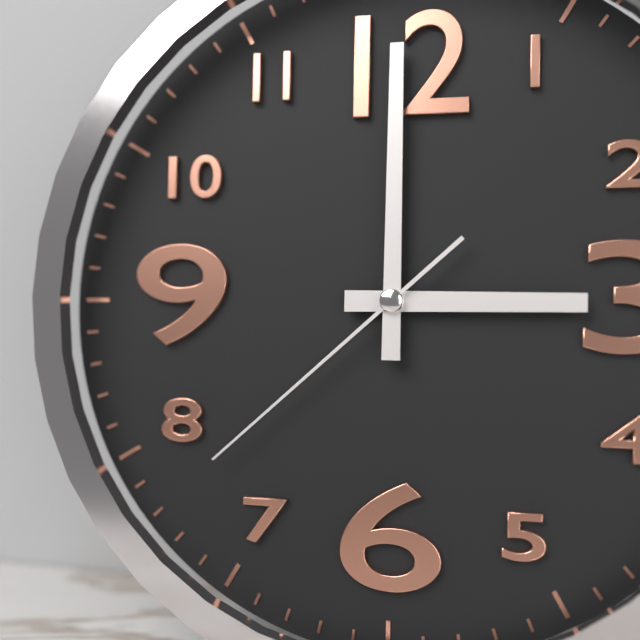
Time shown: {"hour": 3, "minute": 0, "second": 38}
